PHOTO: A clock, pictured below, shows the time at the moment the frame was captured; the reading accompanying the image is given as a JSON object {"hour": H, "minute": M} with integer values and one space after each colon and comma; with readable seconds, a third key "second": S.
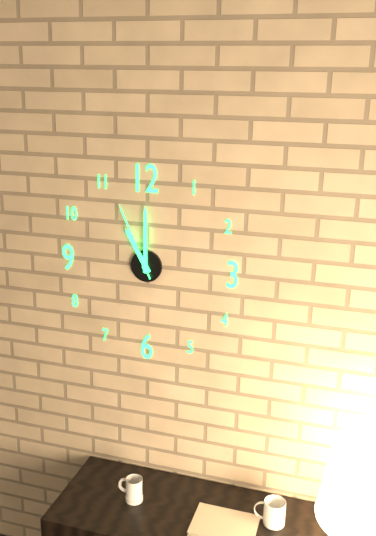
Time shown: {"hour": 11, "minute": 0, "second": 56}
